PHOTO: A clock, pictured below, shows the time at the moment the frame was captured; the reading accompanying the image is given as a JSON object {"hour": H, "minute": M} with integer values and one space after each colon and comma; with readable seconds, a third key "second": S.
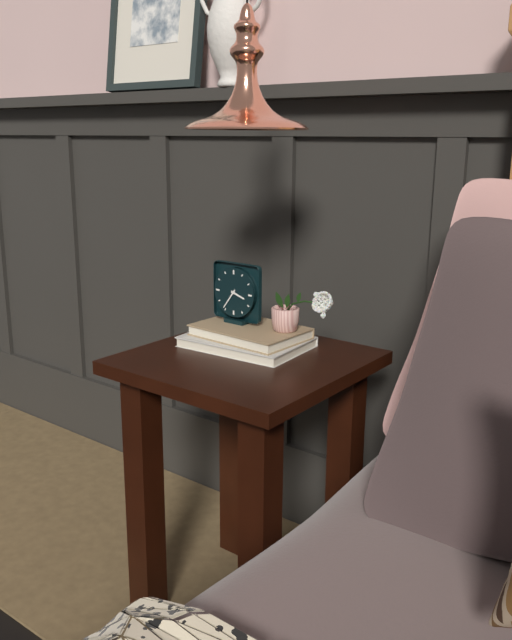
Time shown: {"hour": 3, "minute": 36}
